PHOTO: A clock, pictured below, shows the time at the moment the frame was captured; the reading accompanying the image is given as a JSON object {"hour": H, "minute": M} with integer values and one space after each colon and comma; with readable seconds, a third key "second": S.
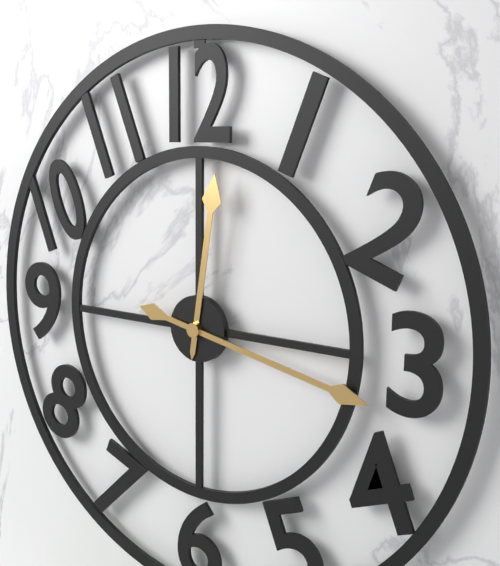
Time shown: {"hour": 12, "minute": 17}
